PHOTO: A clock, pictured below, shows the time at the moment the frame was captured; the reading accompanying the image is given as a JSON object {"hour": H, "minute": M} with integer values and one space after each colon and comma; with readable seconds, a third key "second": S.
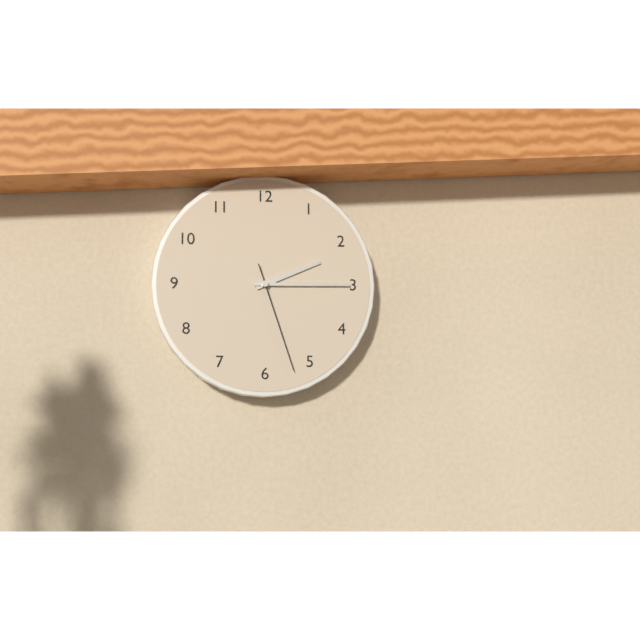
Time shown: {"hour": 2, "minute": 15, "second": 27}
